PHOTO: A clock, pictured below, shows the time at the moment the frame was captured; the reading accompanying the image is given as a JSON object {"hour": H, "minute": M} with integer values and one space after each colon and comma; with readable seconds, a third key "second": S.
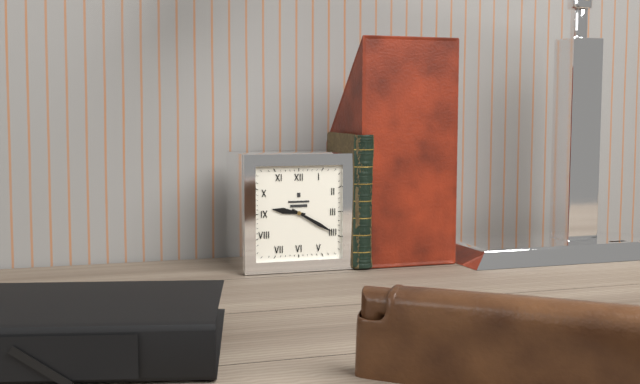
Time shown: {"hour": 9, "minute": 20}
